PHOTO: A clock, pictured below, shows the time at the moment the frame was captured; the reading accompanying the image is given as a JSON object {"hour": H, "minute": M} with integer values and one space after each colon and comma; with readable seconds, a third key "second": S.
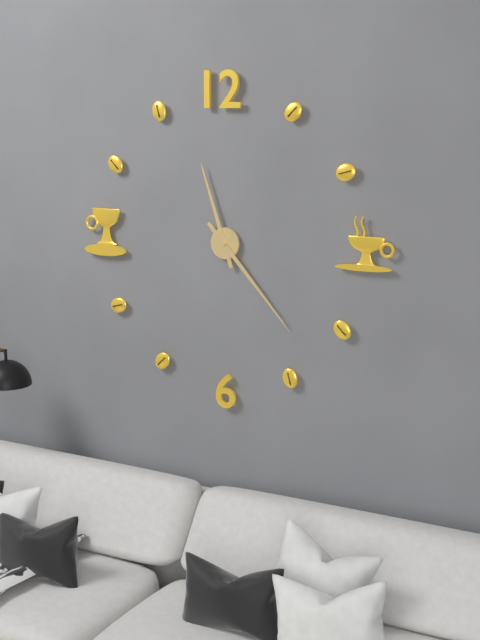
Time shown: {"hour": 11, "minute": 23}
